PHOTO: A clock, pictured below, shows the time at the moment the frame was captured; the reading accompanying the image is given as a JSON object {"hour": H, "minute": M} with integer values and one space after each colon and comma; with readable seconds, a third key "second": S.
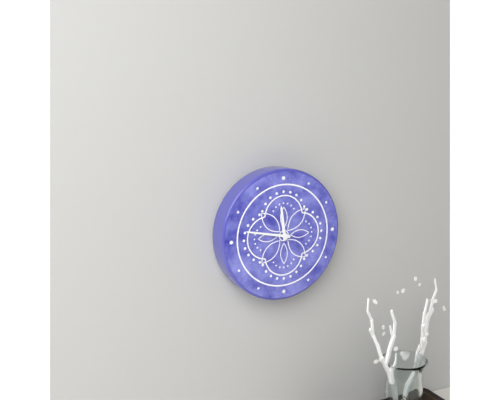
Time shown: {"hour": 11, "minute": 47}
